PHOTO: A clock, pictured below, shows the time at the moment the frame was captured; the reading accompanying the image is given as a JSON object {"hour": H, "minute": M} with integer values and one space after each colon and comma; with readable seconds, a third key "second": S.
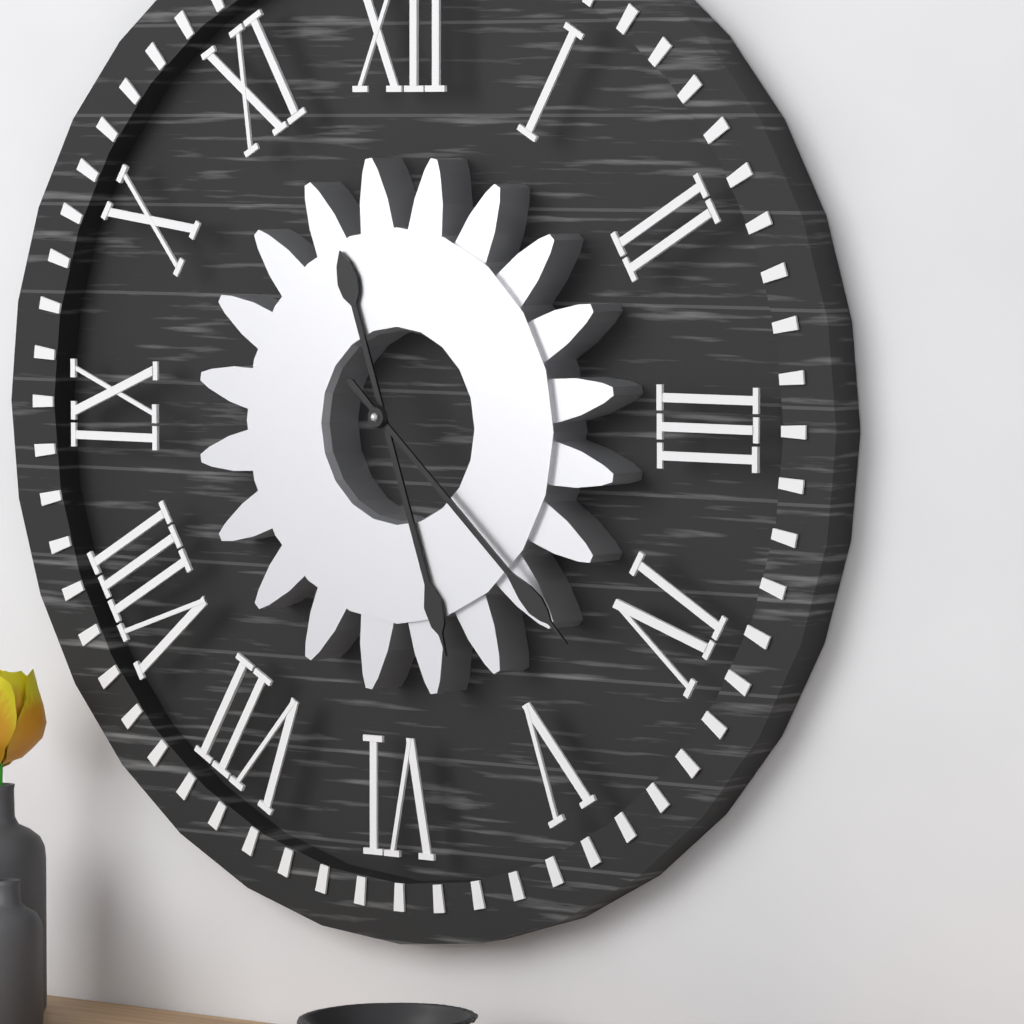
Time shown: {"hour": 5, "minute": 22}
